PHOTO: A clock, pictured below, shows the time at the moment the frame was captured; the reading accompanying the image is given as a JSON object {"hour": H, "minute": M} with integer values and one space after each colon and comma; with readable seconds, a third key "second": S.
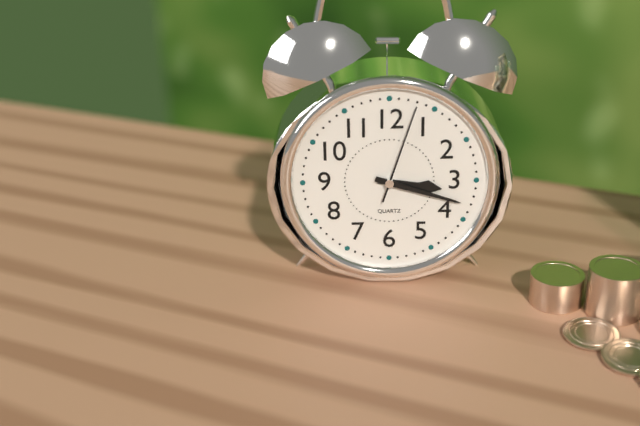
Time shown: {"hour": 3, "minute": 18, "second": 3}
